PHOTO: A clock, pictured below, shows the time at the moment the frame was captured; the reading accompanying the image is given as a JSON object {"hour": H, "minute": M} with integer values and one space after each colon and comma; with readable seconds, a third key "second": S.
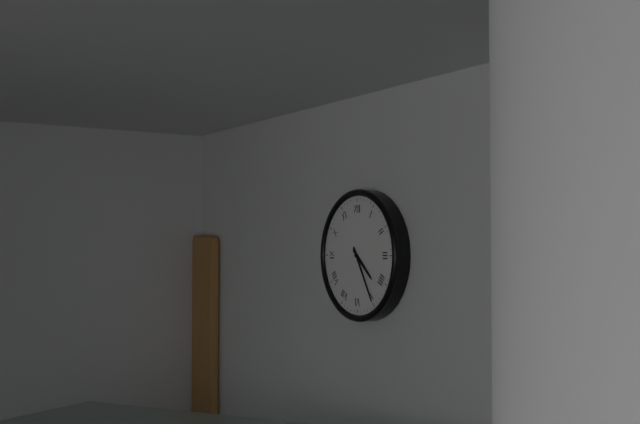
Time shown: {"hour": 4, "minute": 25}
